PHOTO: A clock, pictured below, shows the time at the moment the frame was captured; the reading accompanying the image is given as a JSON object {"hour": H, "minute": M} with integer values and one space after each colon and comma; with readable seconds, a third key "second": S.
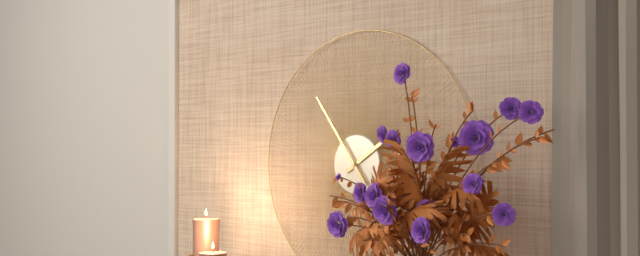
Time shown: {"hour": 1, "minute": 54}
